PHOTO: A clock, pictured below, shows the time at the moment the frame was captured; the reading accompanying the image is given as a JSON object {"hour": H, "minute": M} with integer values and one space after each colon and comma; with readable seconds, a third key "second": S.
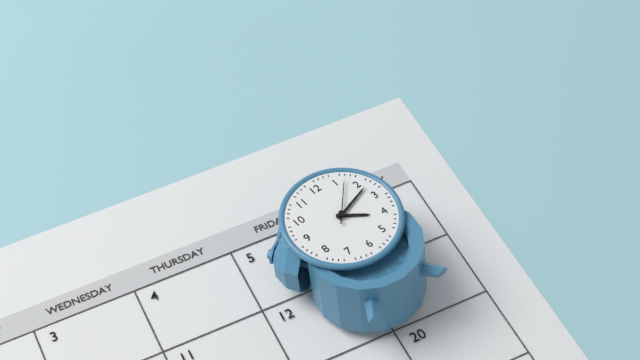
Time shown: {"hour": 4, "minute": 12}
